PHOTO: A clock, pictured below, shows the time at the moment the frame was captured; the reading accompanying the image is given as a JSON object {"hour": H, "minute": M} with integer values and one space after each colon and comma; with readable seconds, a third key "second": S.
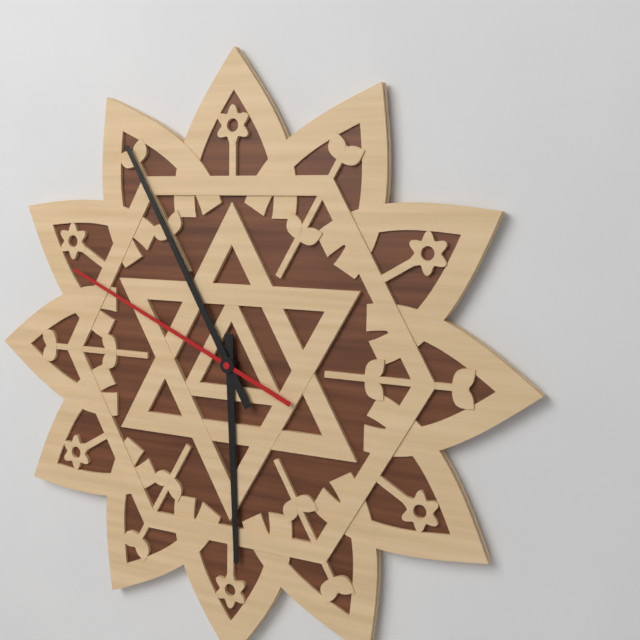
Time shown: {"hour": 5, "minute": 55, "second": 49}
